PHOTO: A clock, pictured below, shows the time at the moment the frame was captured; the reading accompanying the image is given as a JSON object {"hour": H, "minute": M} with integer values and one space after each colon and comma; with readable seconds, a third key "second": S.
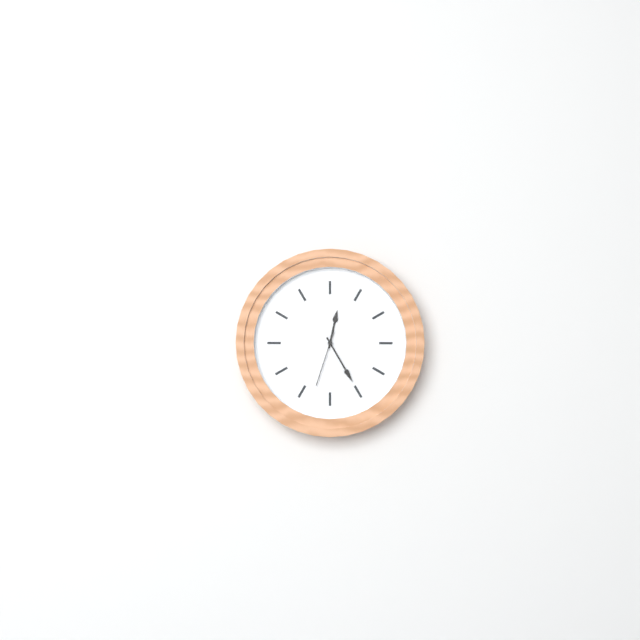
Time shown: {"hour": 12, "minute": 25, "second": 33}
